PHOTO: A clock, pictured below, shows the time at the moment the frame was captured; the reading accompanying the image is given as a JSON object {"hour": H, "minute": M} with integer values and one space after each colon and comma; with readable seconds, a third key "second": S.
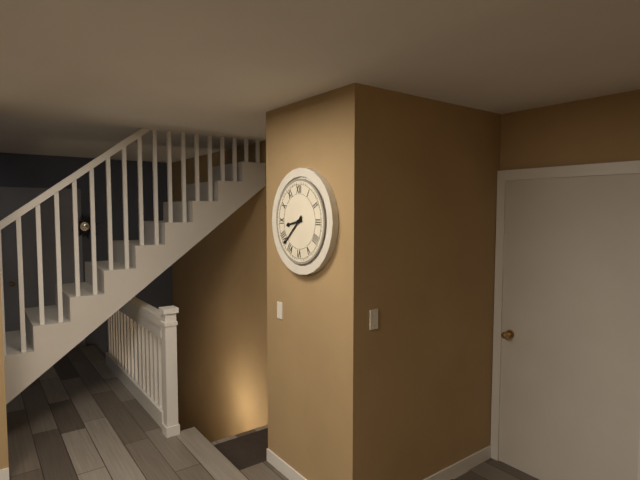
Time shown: {"hour": 8, "minute": 38}
